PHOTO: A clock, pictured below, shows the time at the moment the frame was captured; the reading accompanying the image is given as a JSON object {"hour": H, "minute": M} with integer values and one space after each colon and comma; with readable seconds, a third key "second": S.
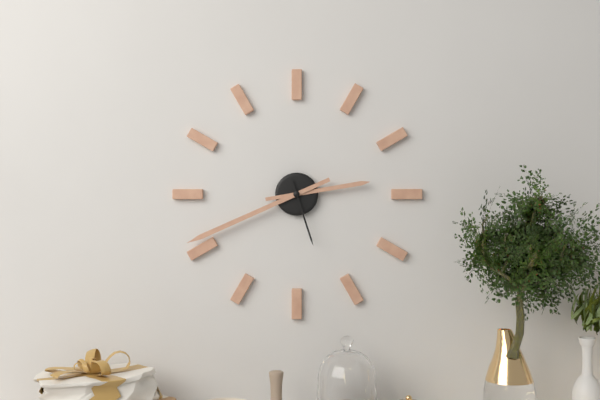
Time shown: {"hour": 2, "minute": 41, "second": 27}
